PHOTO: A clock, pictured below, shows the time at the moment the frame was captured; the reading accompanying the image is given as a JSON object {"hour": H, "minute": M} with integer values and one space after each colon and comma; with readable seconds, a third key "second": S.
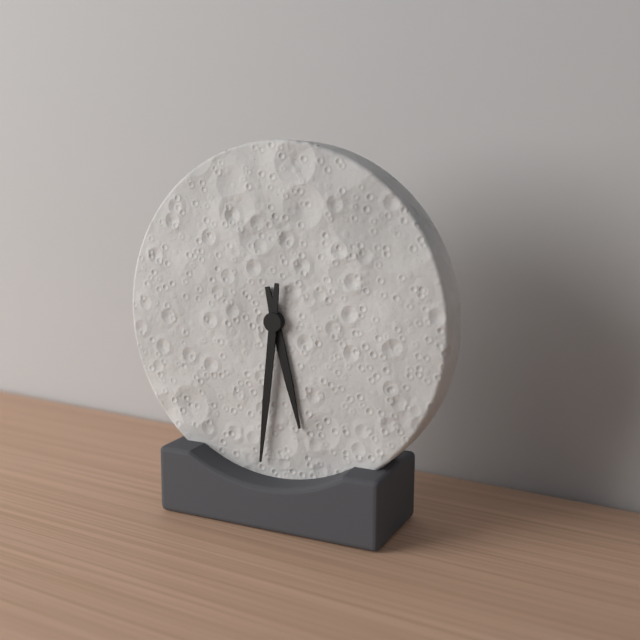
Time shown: {"hour": 5, "minute": 31}
